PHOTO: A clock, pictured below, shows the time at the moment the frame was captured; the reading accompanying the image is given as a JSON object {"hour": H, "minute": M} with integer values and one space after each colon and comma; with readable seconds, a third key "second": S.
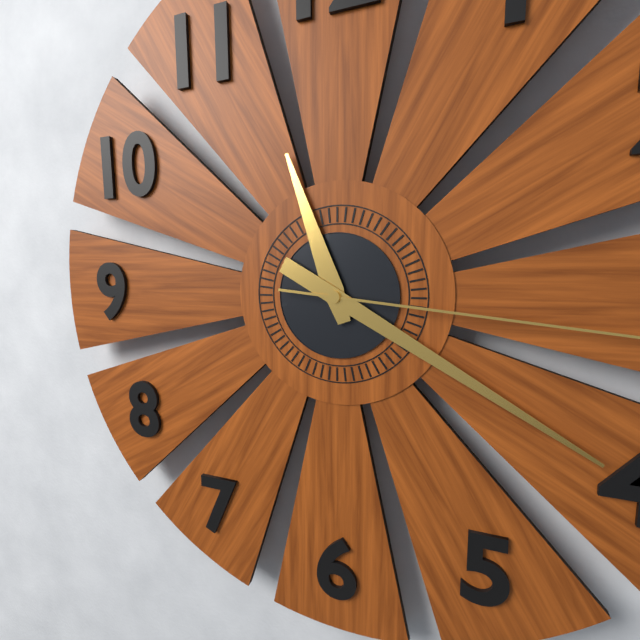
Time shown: {"hour": 11, "minute": 20}
